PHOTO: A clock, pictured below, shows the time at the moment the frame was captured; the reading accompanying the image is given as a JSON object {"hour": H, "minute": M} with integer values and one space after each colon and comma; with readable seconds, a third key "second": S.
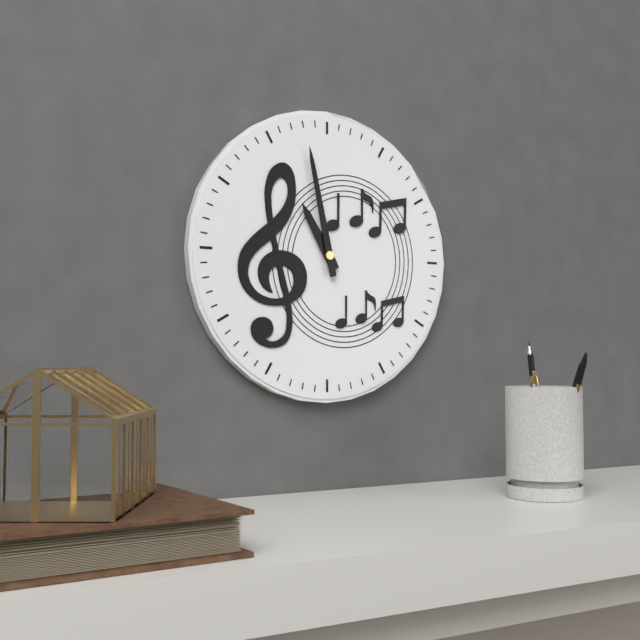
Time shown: {"hour": 10, "minute": 58}
